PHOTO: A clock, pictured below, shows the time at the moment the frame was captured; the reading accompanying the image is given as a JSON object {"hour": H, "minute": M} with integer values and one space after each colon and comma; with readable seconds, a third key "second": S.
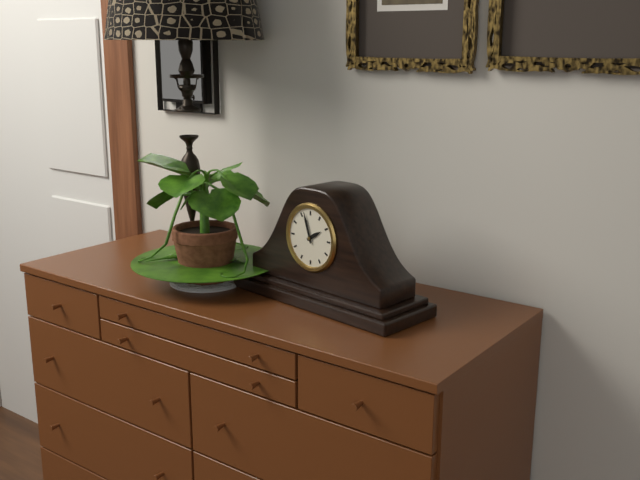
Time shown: {"hour": 1, "minute": 57}
